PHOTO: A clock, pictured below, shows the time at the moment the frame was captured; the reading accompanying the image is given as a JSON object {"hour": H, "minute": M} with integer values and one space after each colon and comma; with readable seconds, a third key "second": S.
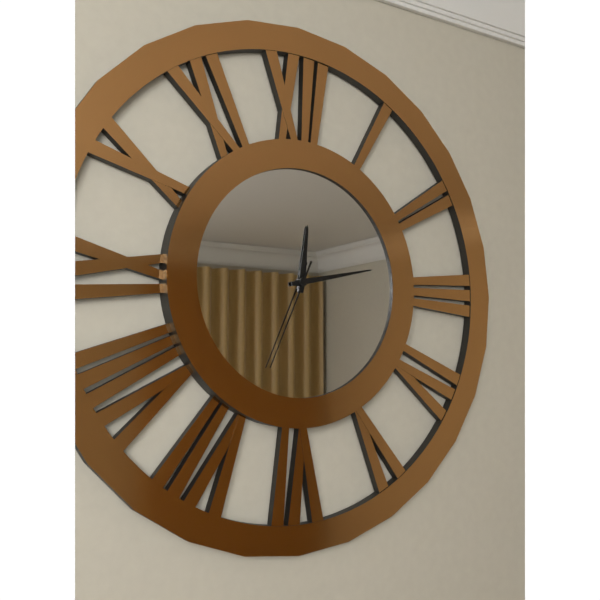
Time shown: {"hour": 12, "minute": 13, "second": 34}
